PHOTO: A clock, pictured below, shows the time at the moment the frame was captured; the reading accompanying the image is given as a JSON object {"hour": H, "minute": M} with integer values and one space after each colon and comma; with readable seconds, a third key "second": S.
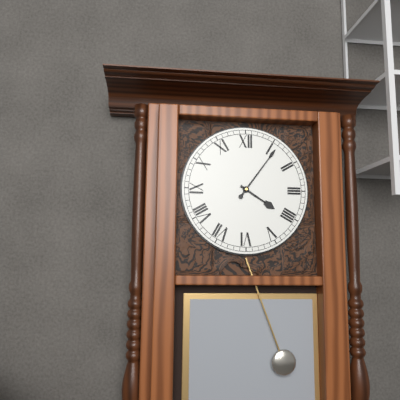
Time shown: {"hour": 4, "minute": 6}
